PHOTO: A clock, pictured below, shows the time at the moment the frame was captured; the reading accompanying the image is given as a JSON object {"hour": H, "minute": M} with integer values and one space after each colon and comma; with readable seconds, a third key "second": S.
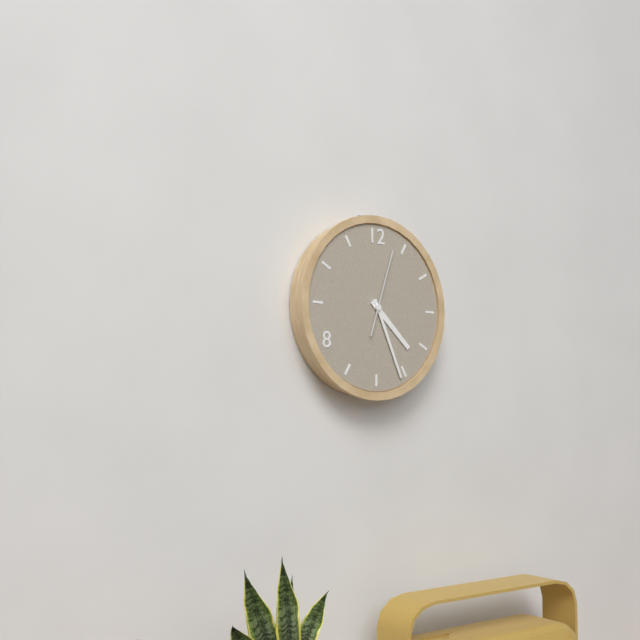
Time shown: {"hour": 4, "minute": 26, "second": 3}
